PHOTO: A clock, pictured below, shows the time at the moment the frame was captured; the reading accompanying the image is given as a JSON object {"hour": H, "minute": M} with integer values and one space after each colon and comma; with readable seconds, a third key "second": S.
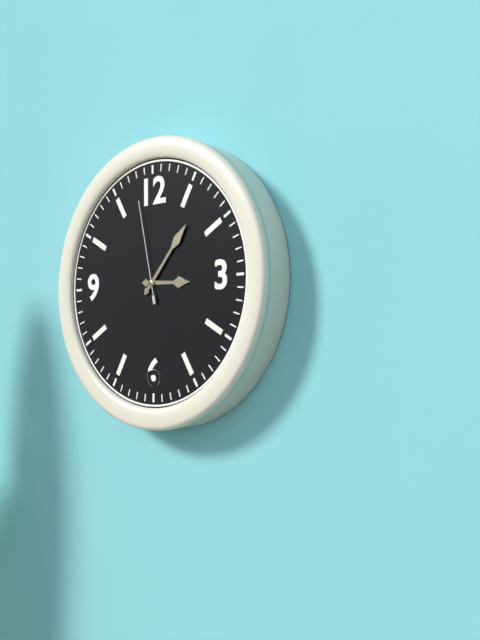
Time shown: {"hour": 3, "minute": 7, "second": 58}
